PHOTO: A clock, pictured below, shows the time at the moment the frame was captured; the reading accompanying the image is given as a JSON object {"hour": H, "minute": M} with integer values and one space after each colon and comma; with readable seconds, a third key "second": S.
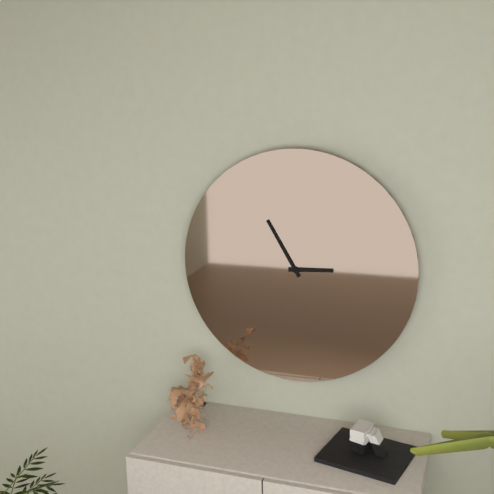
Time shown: {"hour": 2, "minute": 55}
